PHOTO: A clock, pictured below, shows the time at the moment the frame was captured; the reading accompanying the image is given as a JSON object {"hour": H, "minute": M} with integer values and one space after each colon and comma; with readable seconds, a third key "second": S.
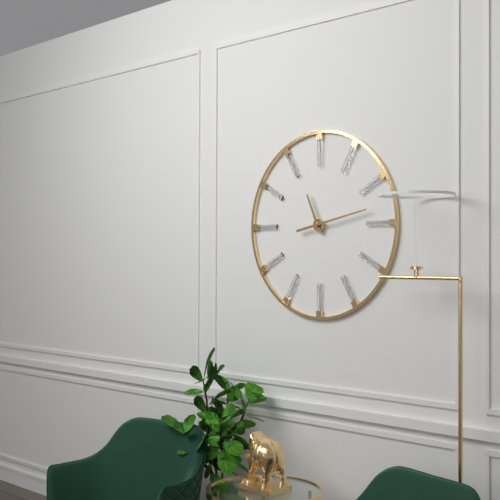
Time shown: {"hour": 11, "minute": 13}
